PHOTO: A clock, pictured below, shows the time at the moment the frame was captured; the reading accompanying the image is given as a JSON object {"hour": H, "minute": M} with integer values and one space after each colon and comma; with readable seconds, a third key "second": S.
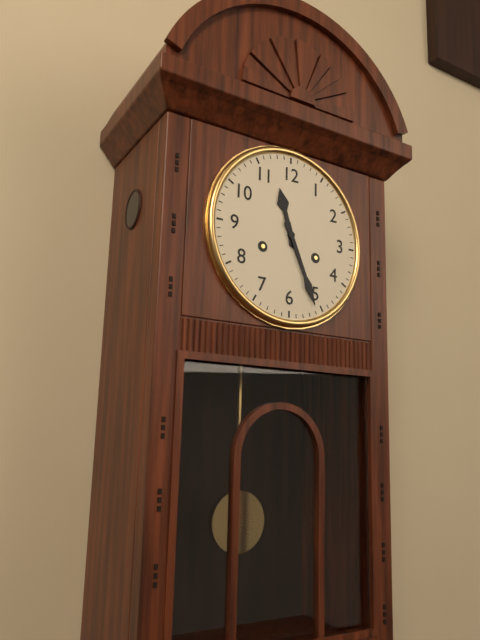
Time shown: {"hour": 11, "minute": 26}
